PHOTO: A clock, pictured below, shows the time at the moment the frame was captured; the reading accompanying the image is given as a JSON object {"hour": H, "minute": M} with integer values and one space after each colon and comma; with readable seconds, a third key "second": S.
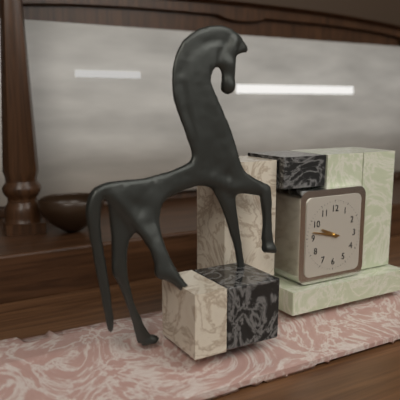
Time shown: {"hour": 9, "minute": 47}
